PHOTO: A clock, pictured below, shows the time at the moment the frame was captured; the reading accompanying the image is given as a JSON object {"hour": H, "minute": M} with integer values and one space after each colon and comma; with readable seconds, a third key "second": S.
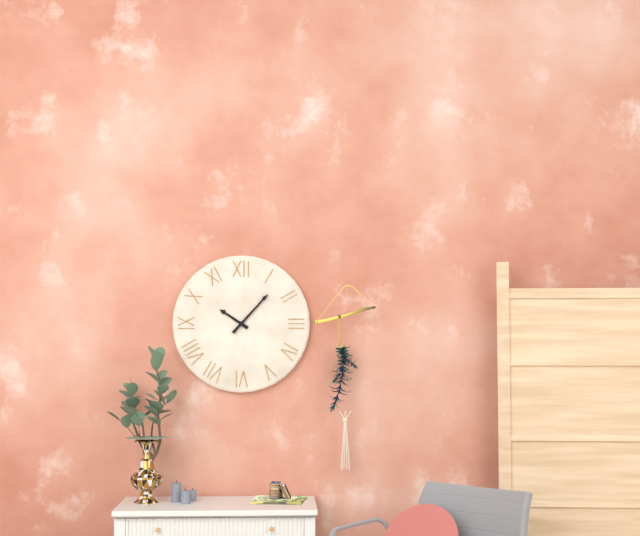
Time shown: {"hour": 10, "minute": 7}
